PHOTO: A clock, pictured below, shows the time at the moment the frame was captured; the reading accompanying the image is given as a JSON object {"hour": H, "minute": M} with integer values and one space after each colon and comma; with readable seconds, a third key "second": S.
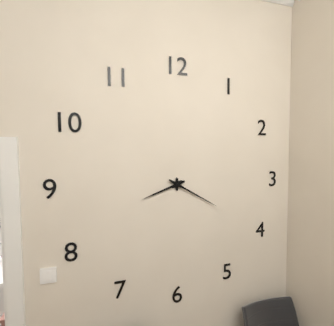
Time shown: {"hour": 8, "minute": 20}
